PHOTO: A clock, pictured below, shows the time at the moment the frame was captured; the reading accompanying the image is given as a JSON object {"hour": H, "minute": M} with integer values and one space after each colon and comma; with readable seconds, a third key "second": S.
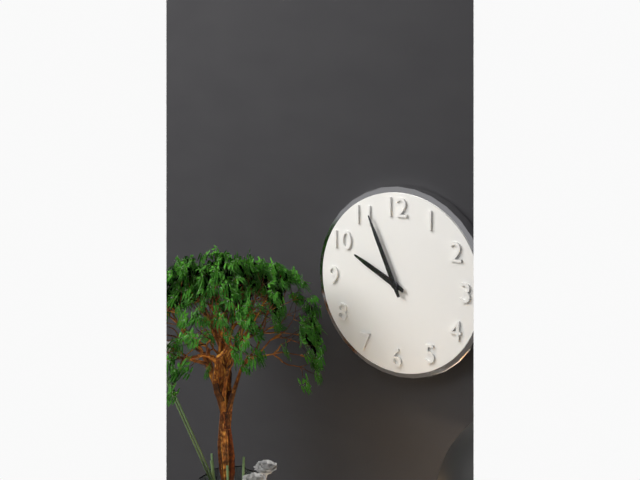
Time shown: {"hour": 9, "minute": 56}
